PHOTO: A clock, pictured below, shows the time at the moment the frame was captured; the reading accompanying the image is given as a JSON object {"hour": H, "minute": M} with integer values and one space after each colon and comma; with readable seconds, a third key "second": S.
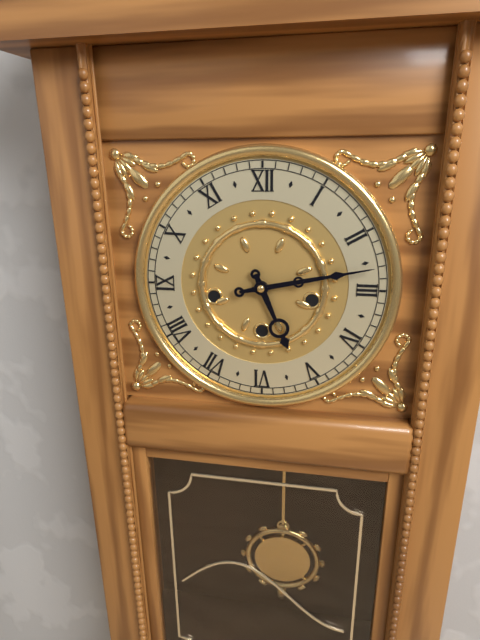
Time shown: {"hour": 5, "minute": 13}
